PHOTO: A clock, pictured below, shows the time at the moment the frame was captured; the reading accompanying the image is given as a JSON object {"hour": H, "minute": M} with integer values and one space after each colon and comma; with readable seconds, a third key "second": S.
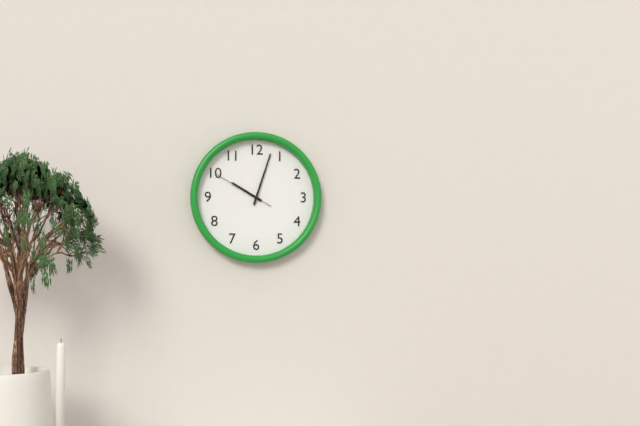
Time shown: {"hour": 10, "minute": 3, "second": 50}
